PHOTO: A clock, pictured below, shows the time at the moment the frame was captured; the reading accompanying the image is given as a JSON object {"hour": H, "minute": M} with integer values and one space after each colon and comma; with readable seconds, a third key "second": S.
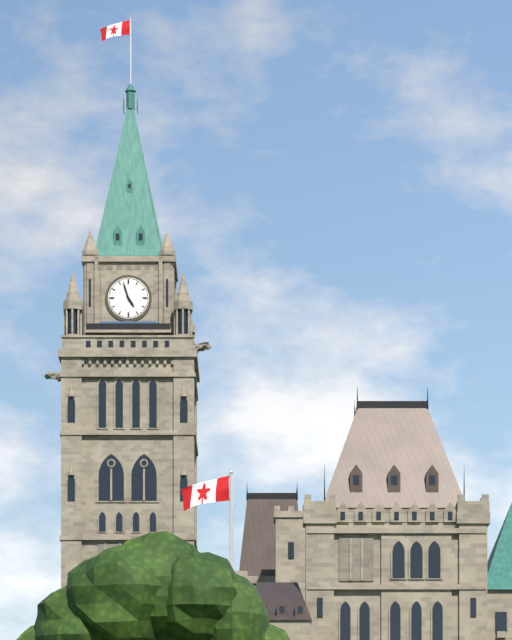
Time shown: {"hour": 4, "minute": 57}
